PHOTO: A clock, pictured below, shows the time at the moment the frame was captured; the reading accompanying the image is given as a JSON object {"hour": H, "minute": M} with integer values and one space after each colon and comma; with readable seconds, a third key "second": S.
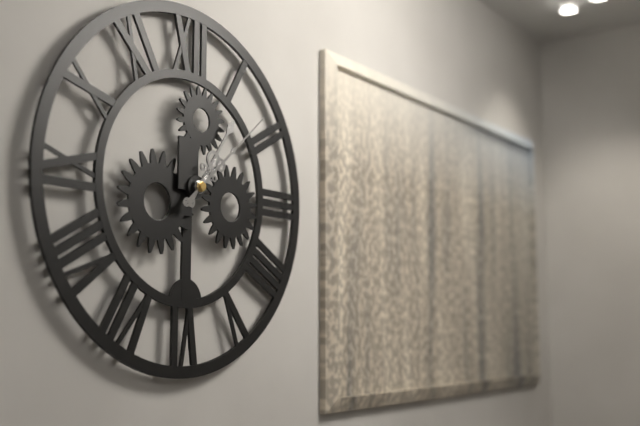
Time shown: {"hour": 1, "minute": 8}
